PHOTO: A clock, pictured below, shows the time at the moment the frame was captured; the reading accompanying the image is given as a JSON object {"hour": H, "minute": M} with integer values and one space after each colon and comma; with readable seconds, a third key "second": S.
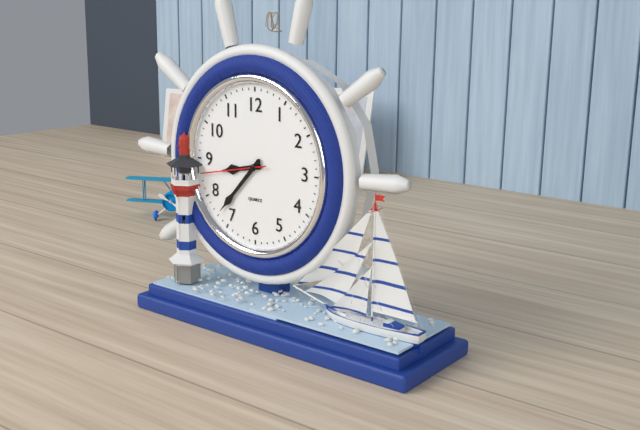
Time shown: {"hour": 8, "minute": 37, "second": 43}
